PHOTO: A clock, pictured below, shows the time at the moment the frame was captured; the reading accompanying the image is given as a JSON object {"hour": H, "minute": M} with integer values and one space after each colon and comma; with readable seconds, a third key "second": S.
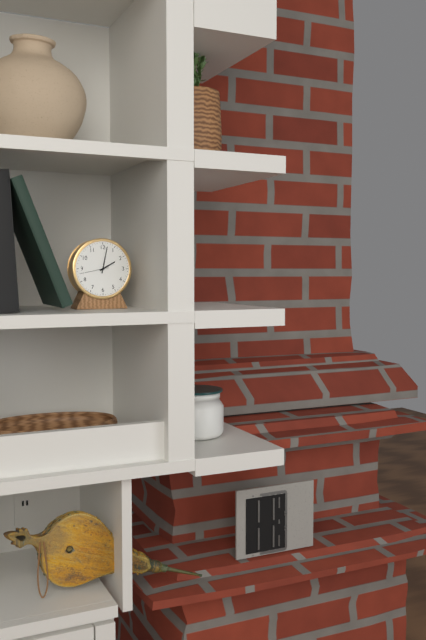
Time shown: {"hour": 2, "minute": 2}
